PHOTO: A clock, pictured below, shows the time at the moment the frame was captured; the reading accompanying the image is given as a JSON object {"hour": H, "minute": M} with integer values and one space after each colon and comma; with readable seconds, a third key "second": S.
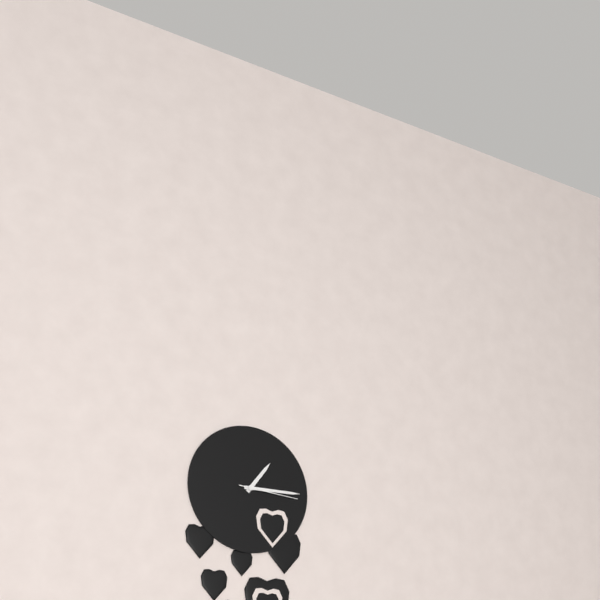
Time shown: {"hour": 1, "minute": 15, "second": 16}
